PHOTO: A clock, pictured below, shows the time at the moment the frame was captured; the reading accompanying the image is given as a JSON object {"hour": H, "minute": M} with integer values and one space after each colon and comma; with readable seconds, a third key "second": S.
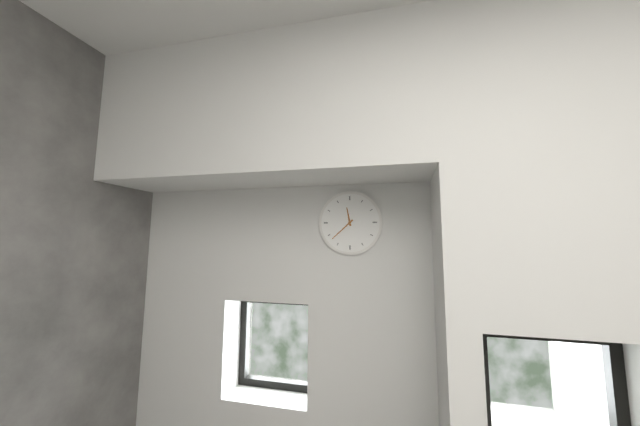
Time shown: {"hour": 11, "minute": 38}
